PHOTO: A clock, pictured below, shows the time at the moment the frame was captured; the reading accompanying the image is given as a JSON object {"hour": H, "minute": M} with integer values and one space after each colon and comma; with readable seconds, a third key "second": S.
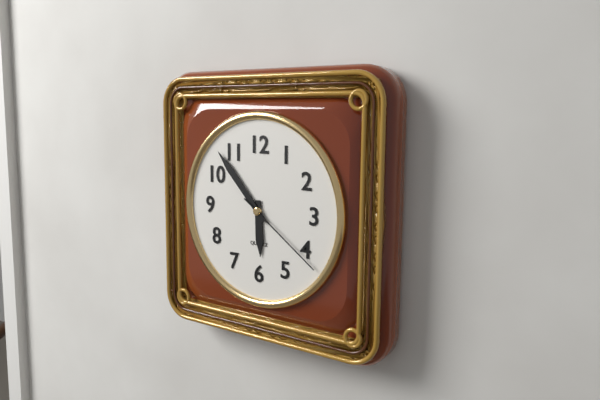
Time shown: {"hour": 5, "minute": 53, "second": 21}
